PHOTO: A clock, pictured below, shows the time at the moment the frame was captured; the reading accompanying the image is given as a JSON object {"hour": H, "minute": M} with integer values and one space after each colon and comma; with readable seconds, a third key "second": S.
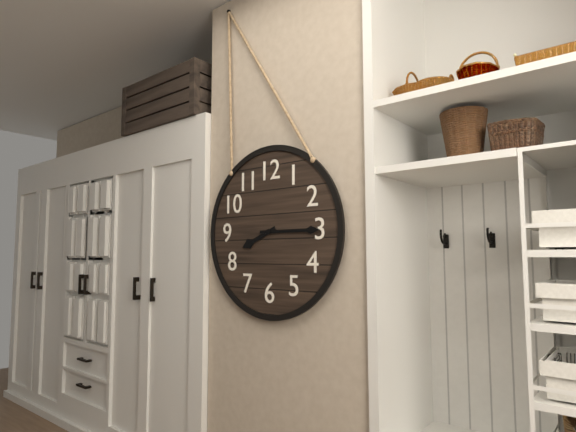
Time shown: {"hour": 8, "minute": 15}
